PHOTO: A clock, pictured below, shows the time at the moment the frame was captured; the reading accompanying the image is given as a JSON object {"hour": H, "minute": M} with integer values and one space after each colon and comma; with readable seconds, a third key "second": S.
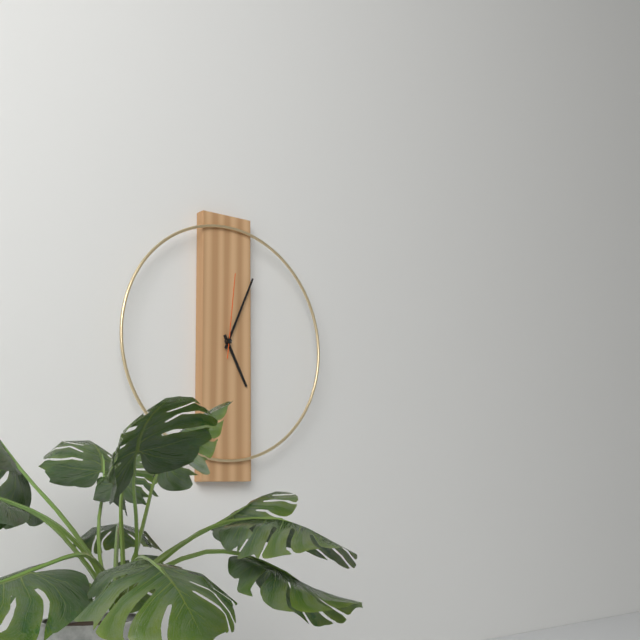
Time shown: {"hour": 5, "minute": 4, "second": 1}
